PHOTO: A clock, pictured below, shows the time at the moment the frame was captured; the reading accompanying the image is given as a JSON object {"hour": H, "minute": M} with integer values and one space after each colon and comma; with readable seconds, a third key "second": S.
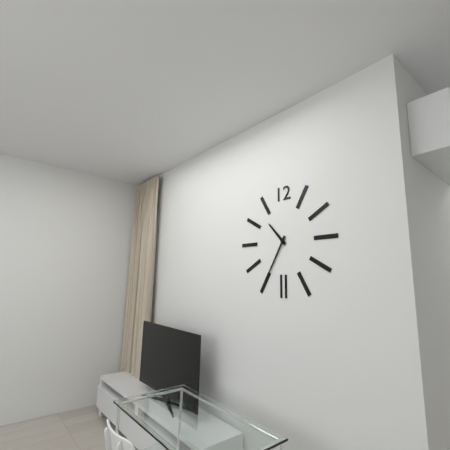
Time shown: {"hour": 10, "minute": 35}
